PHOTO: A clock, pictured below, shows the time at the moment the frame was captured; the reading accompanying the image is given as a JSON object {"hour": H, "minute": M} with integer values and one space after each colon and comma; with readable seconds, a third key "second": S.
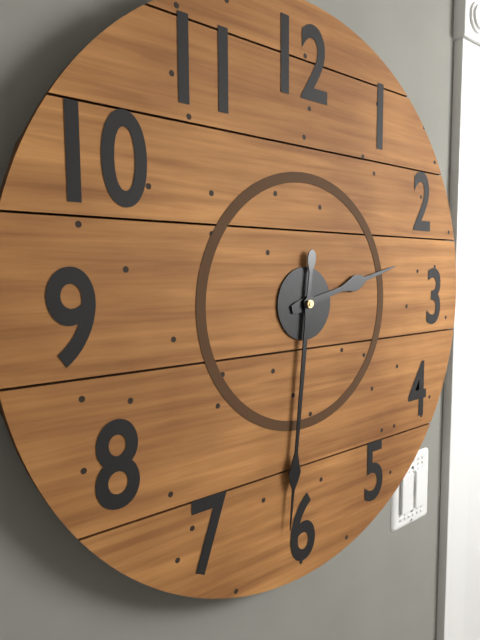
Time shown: {"hour": 2, "minute": 31}
